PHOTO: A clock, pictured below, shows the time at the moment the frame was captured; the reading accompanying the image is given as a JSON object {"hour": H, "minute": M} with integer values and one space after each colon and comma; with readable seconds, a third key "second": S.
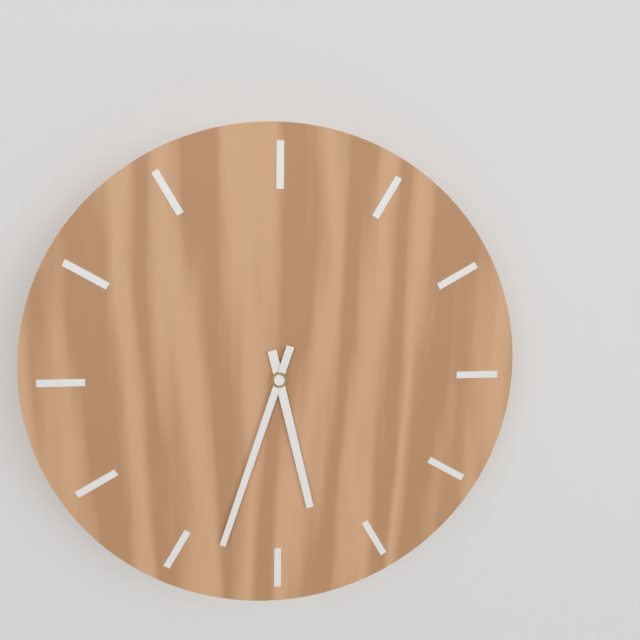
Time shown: {"hour": 5, "minute": 33}
